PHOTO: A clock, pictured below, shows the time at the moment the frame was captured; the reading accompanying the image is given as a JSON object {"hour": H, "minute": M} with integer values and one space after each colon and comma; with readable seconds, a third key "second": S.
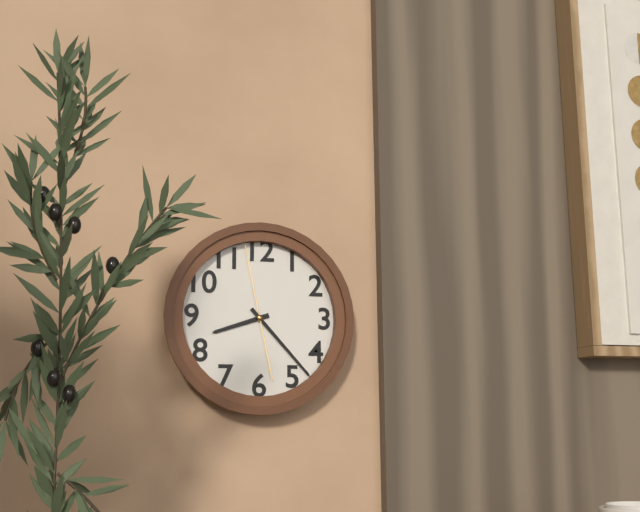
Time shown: {"hour": 8, "minute": 23, "second": 58}
